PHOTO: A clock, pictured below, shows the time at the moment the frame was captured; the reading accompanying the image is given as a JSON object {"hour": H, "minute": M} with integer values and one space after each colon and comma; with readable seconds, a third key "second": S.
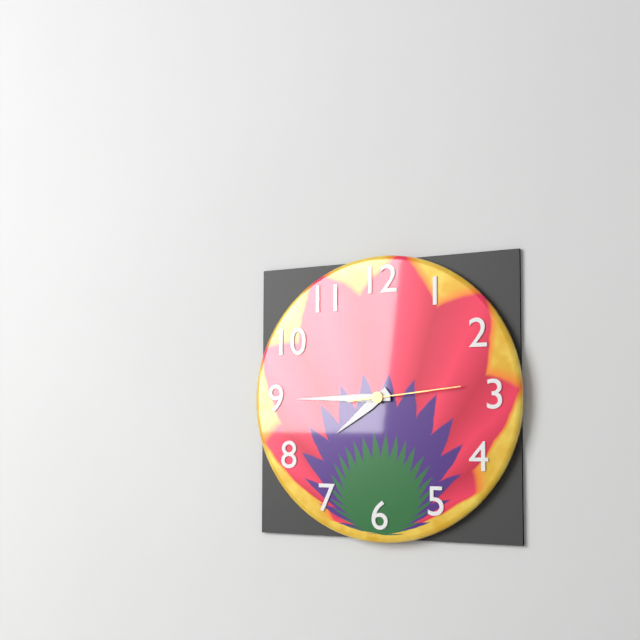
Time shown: {"hour": 7, "minute": 45, "second": 14}
